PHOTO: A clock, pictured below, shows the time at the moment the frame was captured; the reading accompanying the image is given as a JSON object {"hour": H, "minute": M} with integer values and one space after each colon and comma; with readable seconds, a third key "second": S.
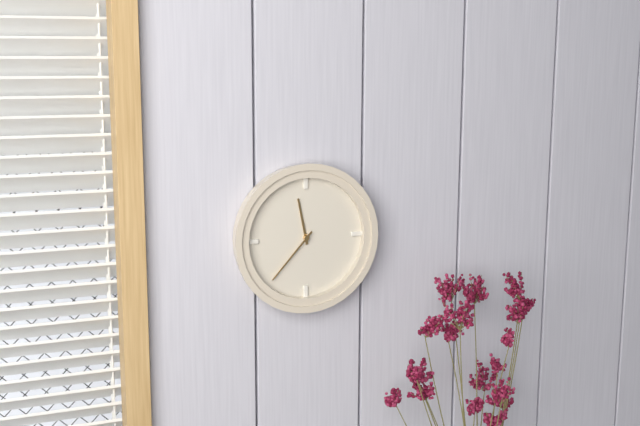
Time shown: {"hour": 11, "minute": 37}
